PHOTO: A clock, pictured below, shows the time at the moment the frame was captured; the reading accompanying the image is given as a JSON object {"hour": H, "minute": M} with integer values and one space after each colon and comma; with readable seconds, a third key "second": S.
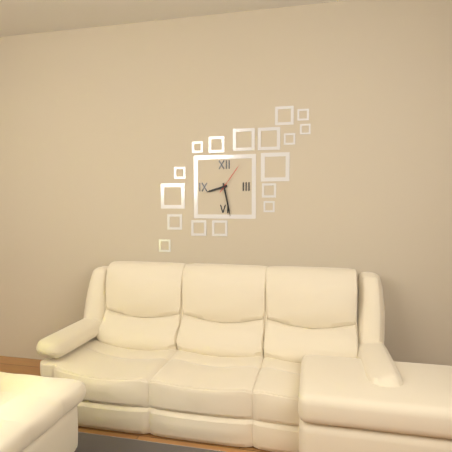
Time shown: {"hour": 8, "minute": 28}
